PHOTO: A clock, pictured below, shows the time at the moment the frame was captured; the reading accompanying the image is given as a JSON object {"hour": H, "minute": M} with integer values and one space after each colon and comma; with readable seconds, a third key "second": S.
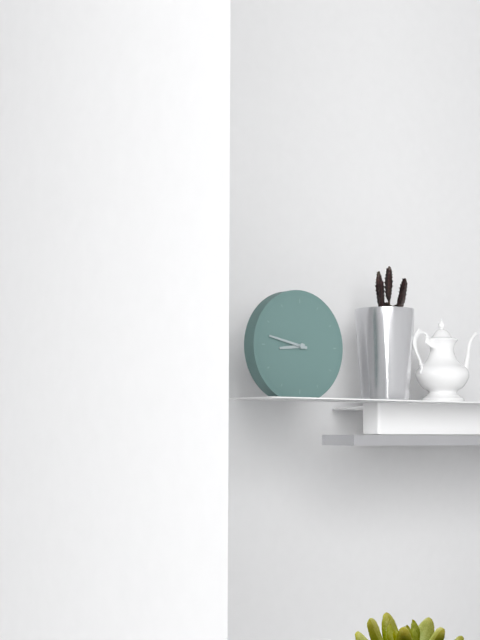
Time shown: {"hour": 8, "minute": 47}
